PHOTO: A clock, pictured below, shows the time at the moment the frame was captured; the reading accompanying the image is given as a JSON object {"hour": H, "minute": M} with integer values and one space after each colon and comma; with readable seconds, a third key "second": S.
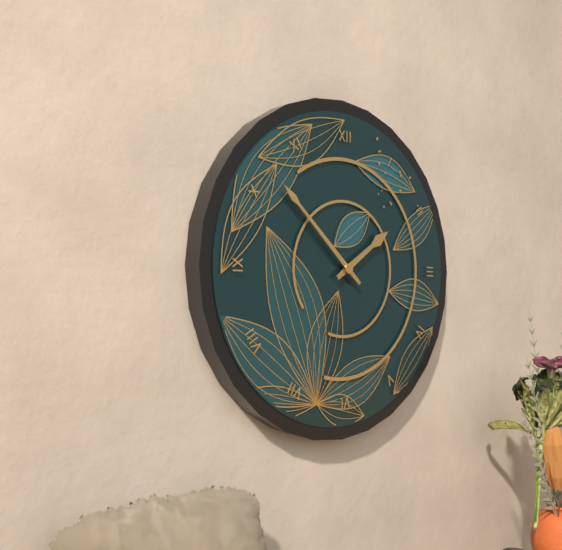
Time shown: {"hour": 1, "minute": 52}
